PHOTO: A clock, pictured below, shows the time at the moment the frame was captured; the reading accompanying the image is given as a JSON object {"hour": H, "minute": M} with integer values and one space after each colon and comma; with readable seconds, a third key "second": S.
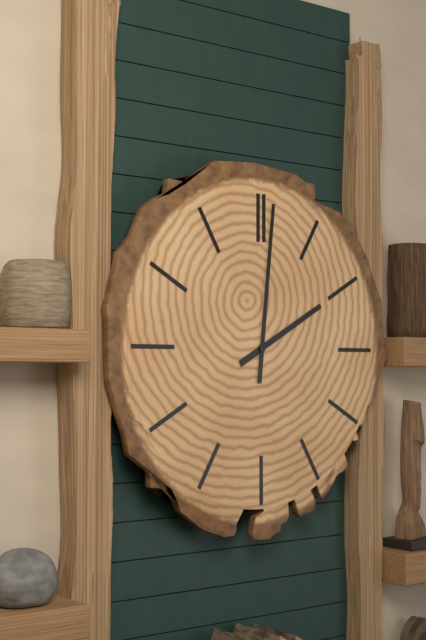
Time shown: {"hour": 2, "minute": 1}
